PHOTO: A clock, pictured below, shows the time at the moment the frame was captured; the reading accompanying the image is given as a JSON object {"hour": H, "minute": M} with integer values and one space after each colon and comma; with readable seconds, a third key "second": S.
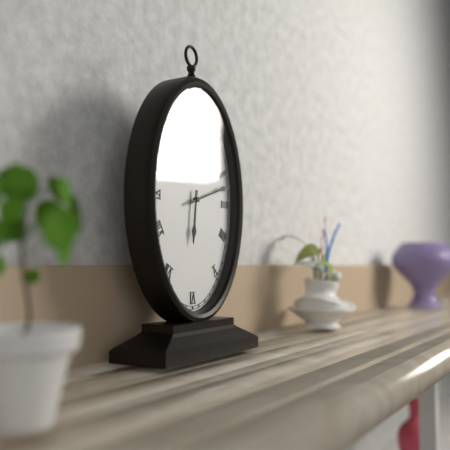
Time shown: {"hour": 6, "minute": 12}
